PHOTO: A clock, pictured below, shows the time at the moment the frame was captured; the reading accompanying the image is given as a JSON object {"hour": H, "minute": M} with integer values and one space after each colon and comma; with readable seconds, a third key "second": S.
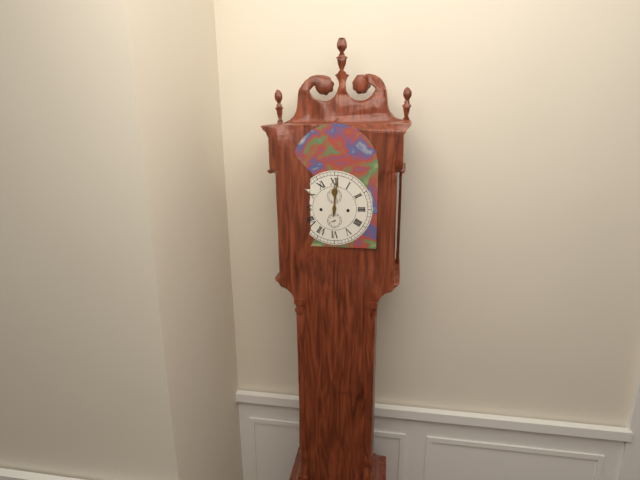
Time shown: {"hour": 12, "minute": 1}
